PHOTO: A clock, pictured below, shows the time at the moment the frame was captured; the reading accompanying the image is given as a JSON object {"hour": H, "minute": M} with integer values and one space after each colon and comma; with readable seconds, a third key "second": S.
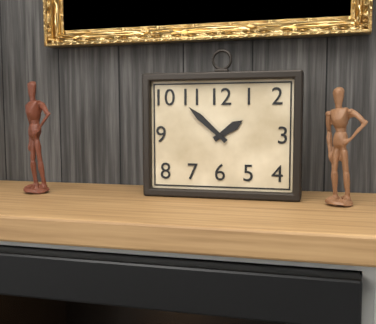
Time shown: {"hour": 1, "minute": 52}
